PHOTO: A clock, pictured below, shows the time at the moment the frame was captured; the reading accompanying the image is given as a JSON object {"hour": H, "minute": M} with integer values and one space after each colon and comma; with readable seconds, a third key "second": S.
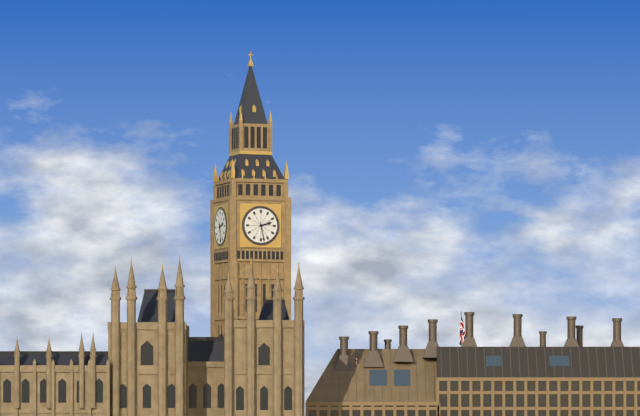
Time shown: {"hour": 2, "minute": 28}
